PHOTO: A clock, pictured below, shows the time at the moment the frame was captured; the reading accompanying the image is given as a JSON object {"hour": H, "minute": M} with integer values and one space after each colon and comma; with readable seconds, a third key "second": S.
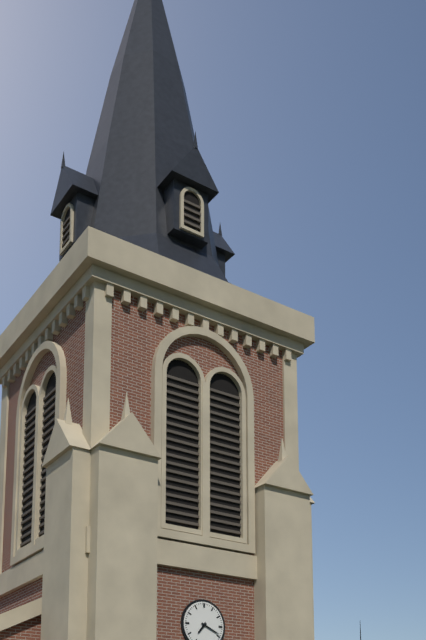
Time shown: {"hour": 7, "minute": 19}
